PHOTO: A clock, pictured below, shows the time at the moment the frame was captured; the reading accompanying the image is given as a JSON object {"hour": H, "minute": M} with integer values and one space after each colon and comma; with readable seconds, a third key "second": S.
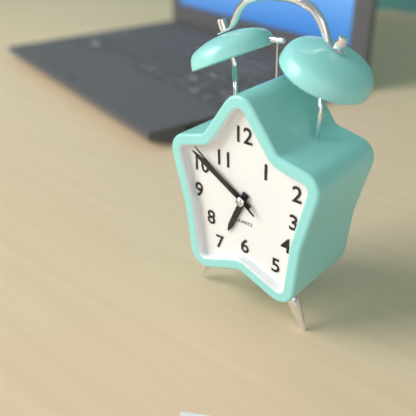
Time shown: {"hour": 6, "minute": 50, "second": 51}
